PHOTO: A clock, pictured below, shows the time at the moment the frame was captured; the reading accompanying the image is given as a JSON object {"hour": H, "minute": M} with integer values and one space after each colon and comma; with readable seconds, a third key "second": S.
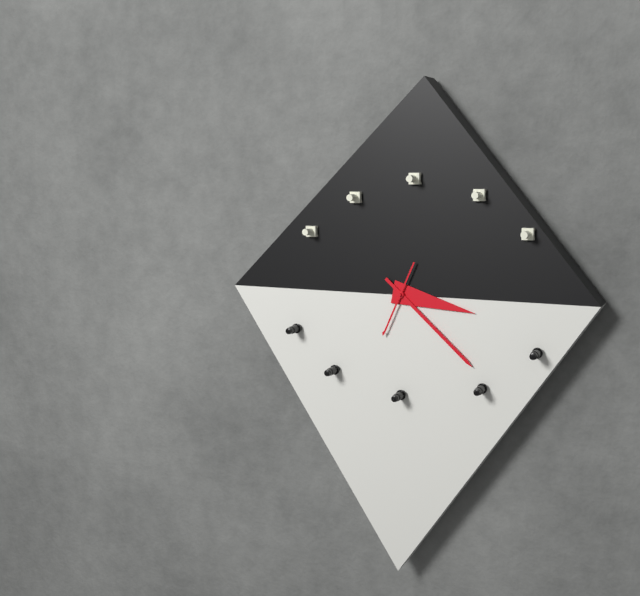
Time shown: {"hour": 3, "minute": 22, "second": 34}
